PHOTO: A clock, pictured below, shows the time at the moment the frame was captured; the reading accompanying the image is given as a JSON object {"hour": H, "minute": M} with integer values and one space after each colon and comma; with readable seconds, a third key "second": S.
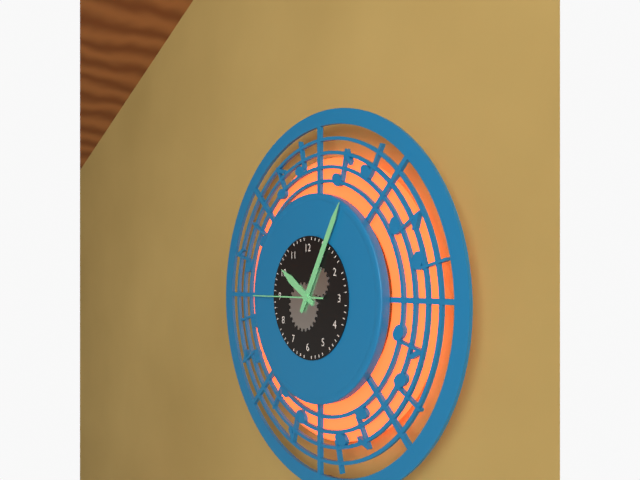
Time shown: {"hour": 10, "minute": 5, "second": 45}
